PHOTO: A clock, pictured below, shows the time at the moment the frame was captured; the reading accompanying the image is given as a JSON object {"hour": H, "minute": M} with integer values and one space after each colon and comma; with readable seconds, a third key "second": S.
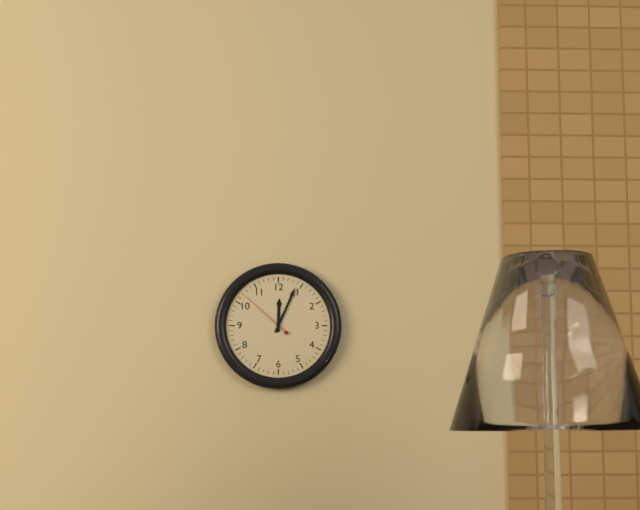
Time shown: {"hour": 12, "minute": 4, "second": 52}
